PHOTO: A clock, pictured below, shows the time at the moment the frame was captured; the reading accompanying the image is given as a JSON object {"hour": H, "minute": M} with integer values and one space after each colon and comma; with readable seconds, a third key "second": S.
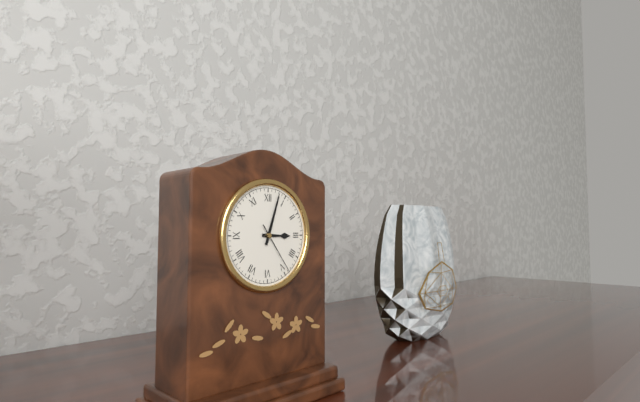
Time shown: {"hour": 3, "minute": 3, "second": 24}
